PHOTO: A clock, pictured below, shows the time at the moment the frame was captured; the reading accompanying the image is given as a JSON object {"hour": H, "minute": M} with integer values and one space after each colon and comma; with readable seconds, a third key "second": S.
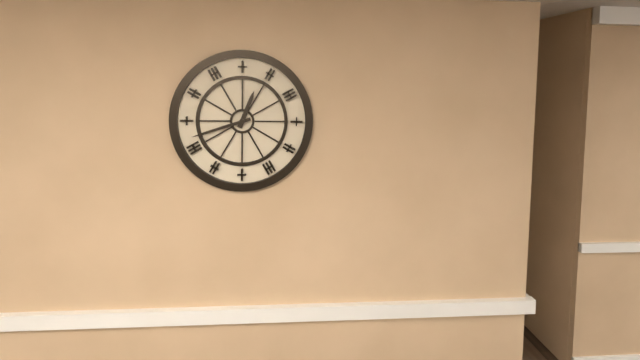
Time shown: {"hour": 12, "minute": 42}
